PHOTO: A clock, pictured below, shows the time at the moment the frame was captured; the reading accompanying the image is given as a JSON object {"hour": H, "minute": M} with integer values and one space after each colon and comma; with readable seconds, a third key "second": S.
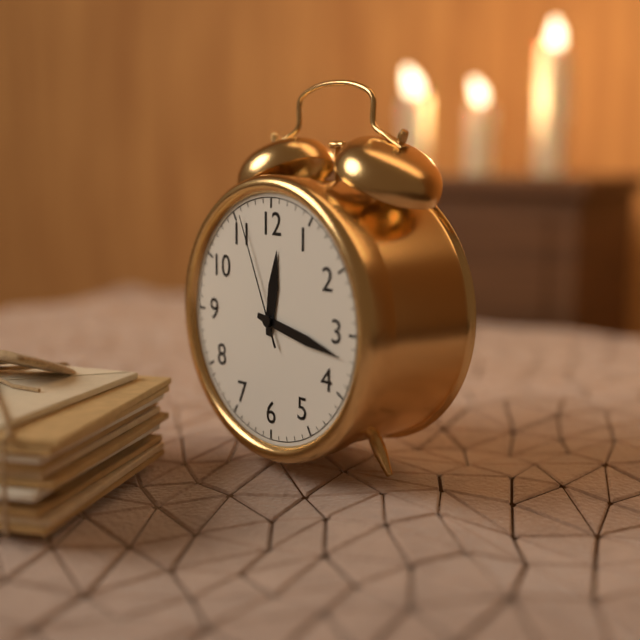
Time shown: {"hour": 12, "minute": 17, "second": 56}
